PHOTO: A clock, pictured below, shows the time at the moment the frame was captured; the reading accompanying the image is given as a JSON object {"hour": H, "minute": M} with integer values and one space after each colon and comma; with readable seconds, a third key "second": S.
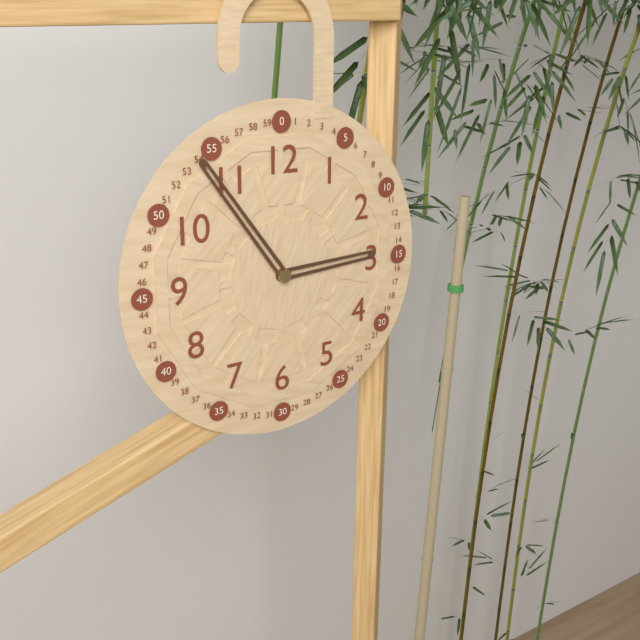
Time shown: {"hour": 2, "minute": 54}
